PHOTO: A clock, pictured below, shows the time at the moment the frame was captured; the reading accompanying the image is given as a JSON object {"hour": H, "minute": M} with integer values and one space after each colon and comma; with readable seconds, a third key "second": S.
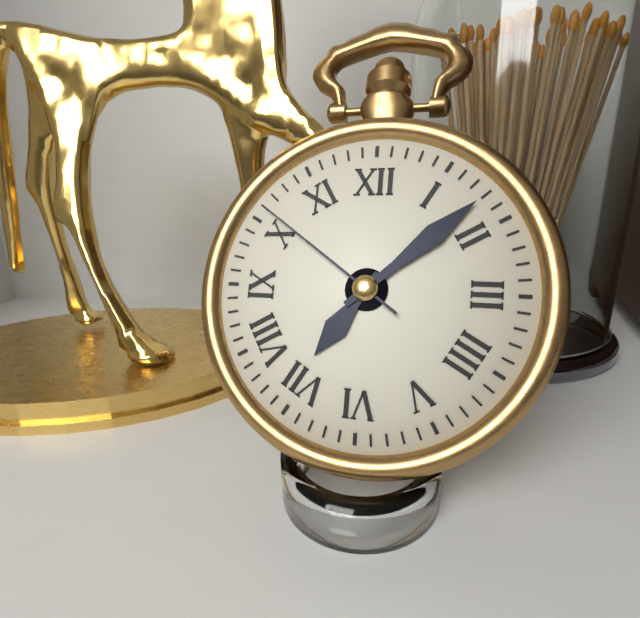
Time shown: {"hour": 7, "minute": 8, "second": 51}
